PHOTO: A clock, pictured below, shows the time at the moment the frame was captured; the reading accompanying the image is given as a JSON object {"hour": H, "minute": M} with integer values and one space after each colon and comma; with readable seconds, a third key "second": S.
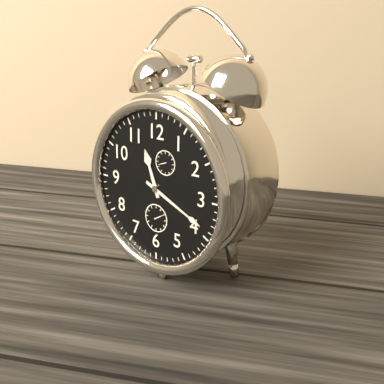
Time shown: {"hour": 11, "minute": 19}
